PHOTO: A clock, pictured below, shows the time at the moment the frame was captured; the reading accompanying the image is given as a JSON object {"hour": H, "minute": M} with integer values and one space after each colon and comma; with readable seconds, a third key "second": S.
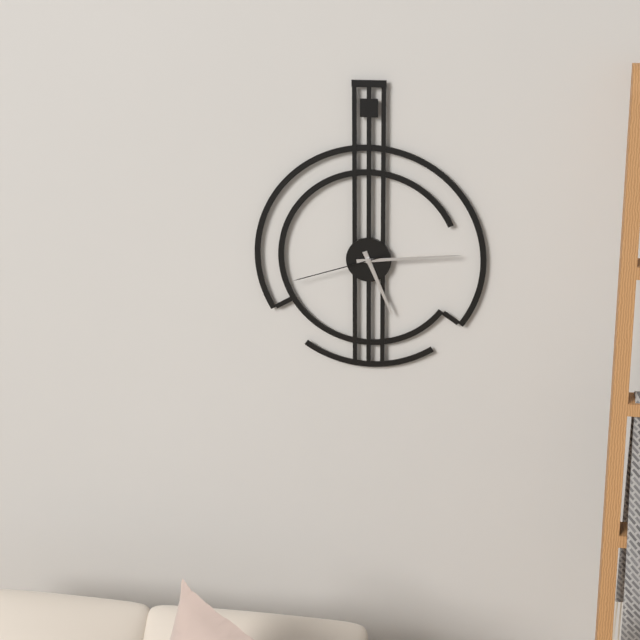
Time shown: {"hour": 5, "minute": 14, "second": 42}
